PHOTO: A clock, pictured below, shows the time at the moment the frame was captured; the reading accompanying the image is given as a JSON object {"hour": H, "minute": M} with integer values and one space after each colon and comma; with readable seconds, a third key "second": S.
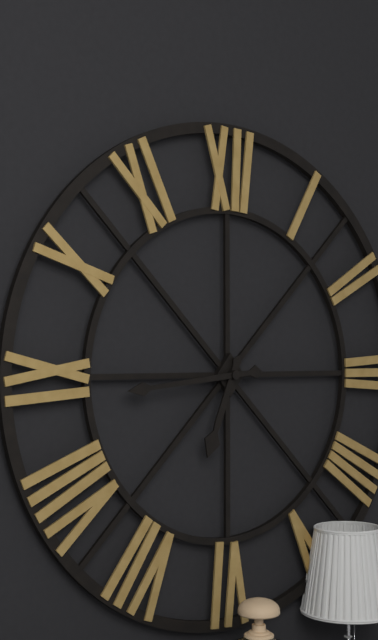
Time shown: {"hour": 6, "minute": 44}
